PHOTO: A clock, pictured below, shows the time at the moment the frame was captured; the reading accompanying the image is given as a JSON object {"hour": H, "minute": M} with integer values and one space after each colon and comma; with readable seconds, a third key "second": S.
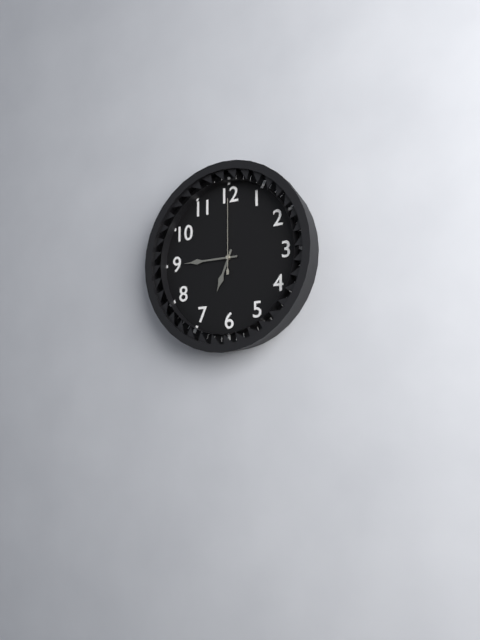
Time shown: {"hour": 6, "minute": 45, "second": 0}
